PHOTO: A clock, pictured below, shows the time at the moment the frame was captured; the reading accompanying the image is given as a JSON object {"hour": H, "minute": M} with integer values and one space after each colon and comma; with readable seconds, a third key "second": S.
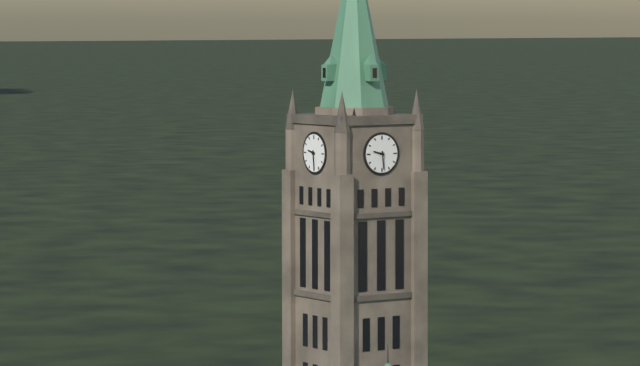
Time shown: {"hour": 9, "minute": 29}
